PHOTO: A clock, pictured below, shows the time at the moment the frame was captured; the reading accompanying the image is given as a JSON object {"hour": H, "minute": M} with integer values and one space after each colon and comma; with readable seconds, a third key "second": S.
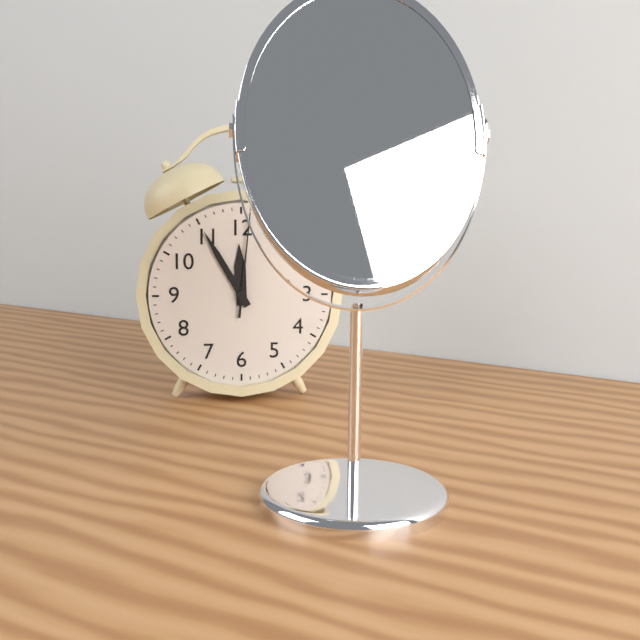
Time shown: {"hour": 11, "minute": 55, "second": 1}
